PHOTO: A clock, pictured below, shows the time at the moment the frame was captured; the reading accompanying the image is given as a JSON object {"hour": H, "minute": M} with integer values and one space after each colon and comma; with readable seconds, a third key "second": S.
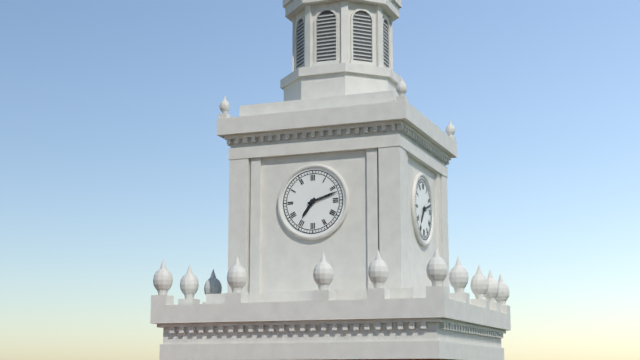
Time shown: {"hour": 7, "minute": 12}
